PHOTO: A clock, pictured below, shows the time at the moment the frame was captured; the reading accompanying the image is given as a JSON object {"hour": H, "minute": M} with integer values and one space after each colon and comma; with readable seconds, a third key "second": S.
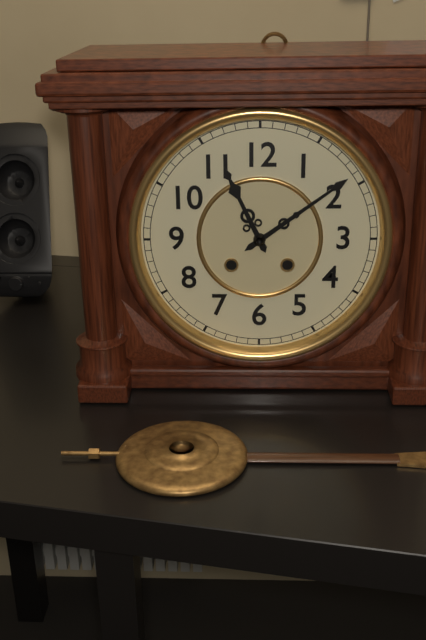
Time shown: {"hour": 11, "minute": 9}
